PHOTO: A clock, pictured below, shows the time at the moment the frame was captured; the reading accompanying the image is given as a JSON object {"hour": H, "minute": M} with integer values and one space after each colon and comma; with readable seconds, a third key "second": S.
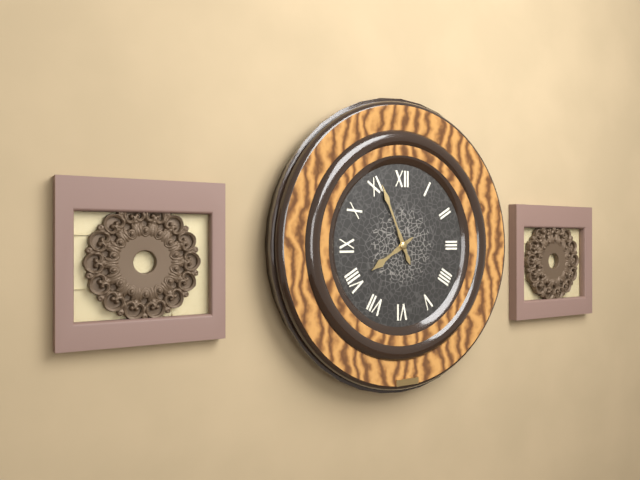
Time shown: {"hour": 7, "minute": 56}
